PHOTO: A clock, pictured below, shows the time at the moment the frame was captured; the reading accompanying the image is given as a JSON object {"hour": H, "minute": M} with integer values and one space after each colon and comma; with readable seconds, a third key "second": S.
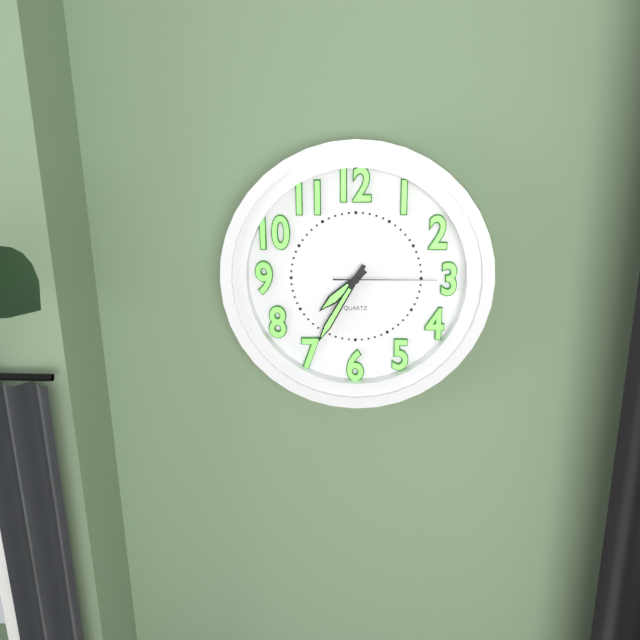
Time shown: {"hour": 7, "minute": 35, "second": 15}
